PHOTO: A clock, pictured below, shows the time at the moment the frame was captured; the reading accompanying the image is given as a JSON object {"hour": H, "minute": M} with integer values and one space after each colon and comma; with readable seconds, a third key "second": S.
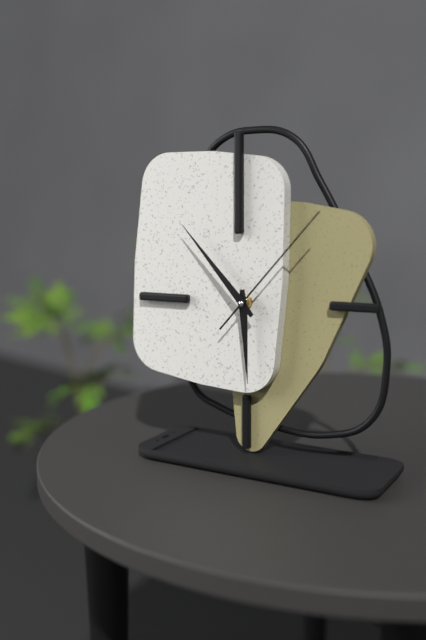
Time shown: {"hour": 5, "minute": 53, "second": 7}
